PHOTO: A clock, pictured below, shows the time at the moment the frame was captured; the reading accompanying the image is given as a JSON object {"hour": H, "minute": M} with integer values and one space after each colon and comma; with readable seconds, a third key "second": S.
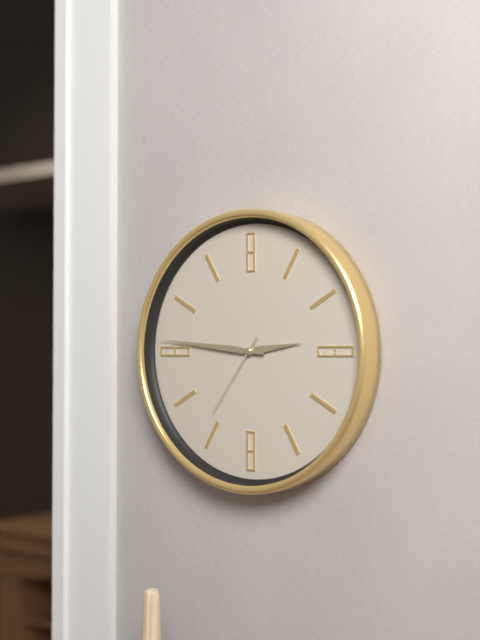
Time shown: {"hour": 2, "minute": 46, "second": 36}
